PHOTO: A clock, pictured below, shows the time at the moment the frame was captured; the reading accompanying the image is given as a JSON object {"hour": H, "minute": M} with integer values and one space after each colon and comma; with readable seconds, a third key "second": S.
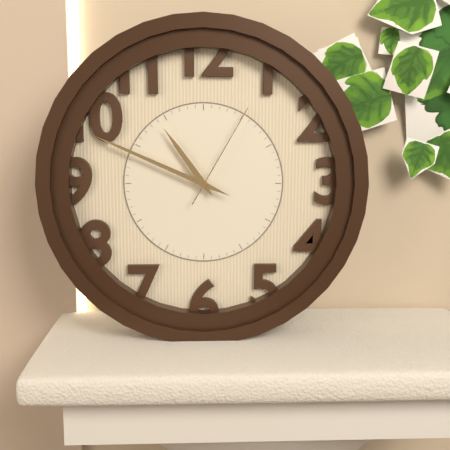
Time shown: {"hour": 10, "minute": 49, "second": 5}
